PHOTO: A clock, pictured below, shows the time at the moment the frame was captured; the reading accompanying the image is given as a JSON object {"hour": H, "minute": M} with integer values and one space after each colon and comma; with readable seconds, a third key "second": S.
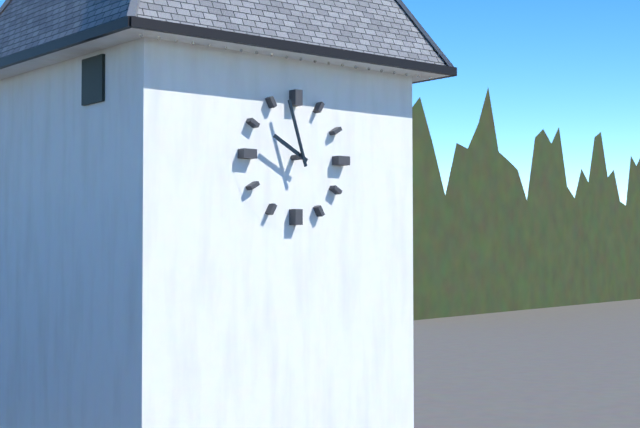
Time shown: {"hour": 9, "minute": 57}
